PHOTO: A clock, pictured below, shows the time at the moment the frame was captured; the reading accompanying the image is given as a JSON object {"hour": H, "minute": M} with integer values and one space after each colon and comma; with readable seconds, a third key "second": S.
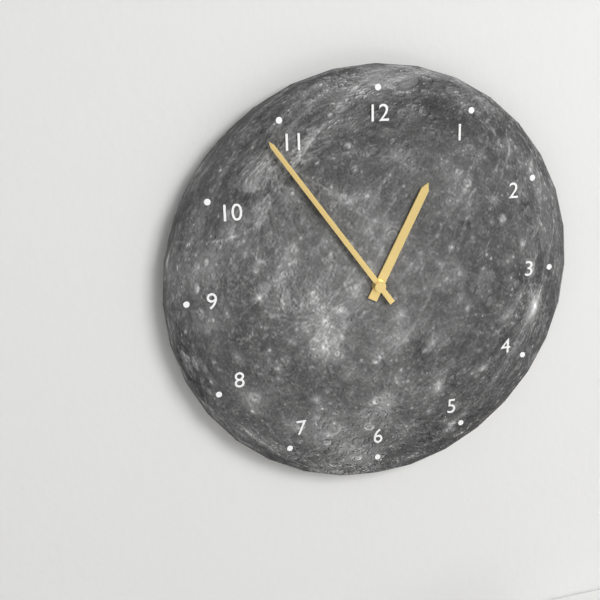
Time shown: {"hour": 12, "minute": 54}
